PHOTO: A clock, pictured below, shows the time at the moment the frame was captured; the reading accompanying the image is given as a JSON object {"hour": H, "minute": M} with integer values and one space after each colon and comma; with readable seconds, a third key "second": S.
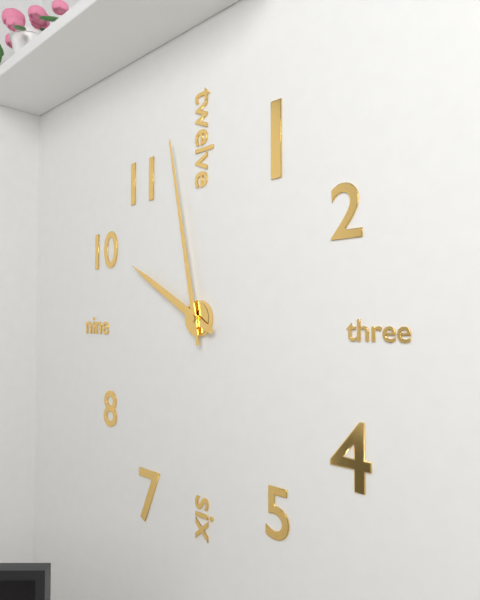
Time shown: {"hour": 9, "minute": 58}
